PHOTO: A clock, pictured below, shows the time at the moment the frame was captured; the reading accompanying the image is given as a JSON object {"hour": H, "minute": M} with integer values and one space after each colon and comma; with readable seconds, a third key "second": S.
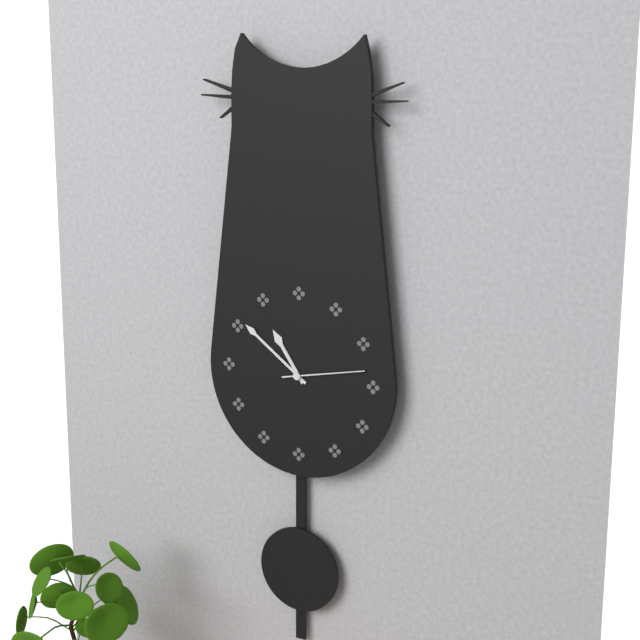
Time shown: {"hour": 10, "minute": 51, "second": 13}
